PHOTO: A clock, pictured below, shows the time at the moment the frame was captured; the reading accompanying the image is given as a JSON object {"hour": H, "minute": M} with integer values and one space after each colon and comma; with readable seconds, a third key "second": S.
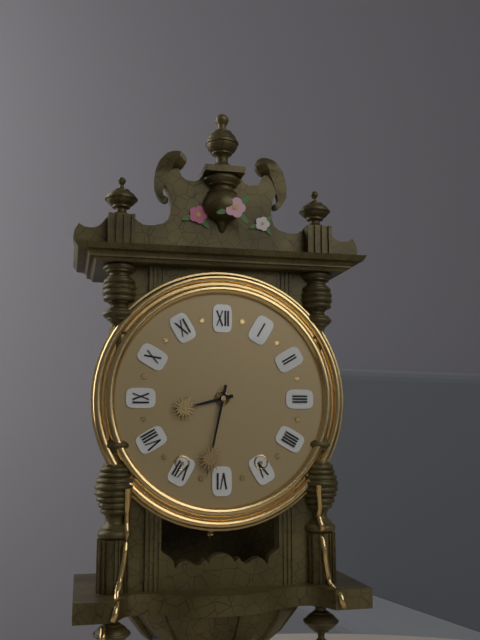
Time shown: {"hour": 8, "minute": 32}
